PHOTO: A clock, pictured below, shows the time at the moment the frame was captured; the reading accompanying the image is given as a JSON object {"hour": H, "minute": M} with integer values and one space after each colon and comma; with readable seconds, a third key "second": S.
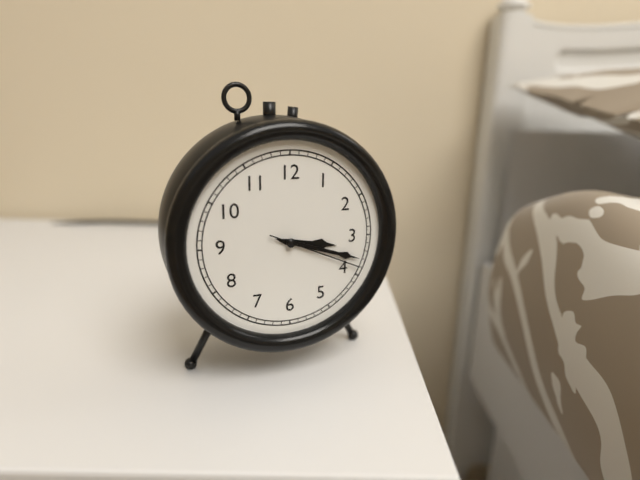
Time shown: {"hour": 3, "minute": 18, "second": 19}
